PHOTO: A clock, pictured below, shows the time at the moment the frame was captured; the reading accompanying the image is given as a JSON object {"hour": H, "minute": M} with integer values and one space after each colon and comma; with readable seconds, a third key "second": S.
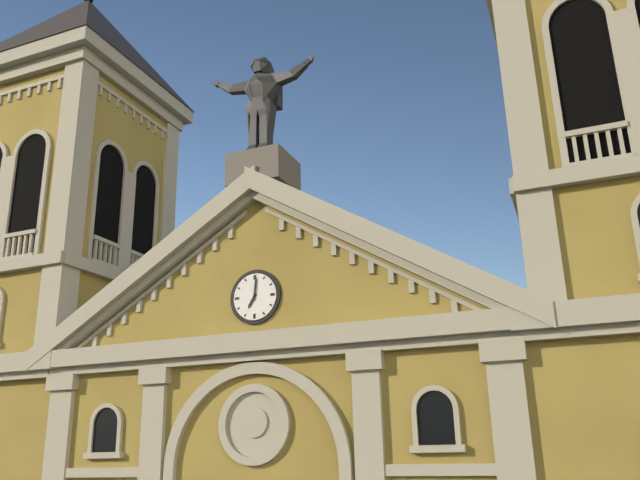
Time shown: {"hour": 7, "minute": 1}
